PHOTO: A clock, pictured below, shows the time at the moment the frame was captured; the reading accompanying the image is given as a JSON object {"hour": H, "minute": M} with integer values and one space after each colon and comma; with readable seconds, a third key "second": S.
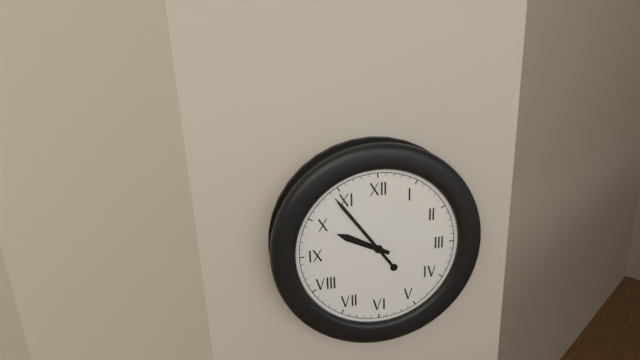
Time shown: {"hour": 9, "minute": 54}
